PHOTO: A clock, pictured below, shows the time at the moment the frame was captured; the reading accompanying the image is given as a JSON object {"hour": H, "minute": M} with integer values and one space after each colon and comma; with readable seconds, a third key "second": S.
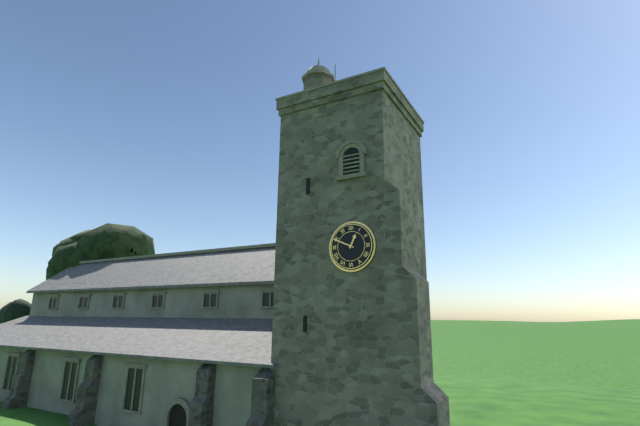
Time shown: {"hour": 12, "minute": 49}
